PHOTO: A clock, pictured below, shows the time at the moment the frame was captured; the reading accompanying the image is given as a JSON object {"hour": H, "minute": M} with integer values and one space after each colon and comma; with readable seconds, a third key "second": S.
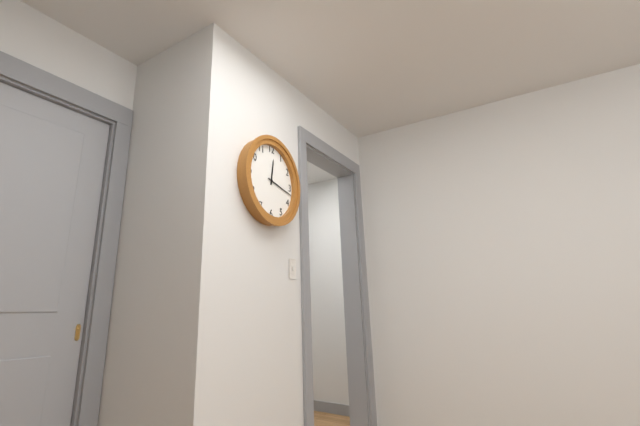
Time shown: {"hour": 12, "minute": 17}
